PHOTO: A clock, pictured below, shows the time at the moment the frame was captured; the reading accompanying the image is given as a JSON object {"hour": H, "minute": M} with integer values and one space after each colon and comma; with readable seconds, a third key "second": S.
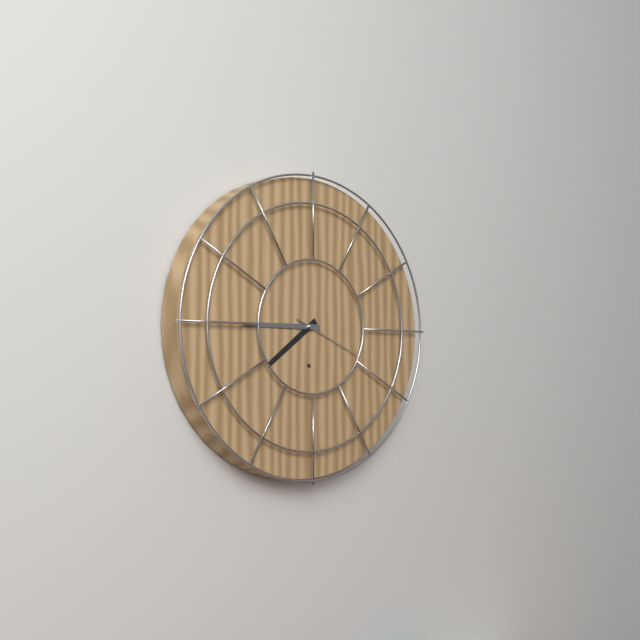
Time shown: {"hour": 7, "minute": 45, "second": 19}
